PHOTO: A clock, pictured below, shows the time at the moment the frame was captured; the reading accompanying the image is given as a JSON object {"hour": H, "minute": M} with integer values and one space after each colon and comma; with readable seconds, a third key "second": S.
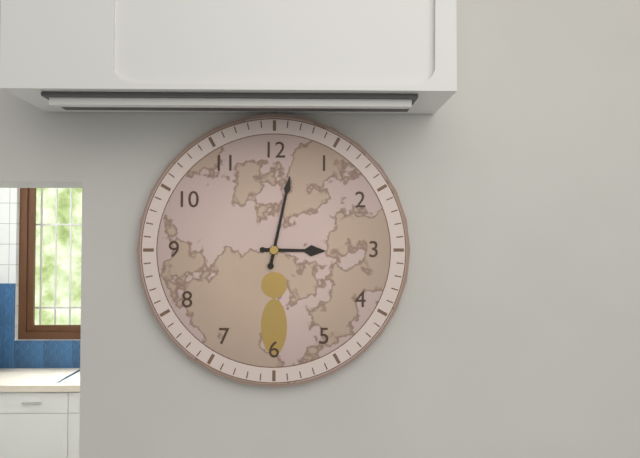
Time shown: {"hour": 3, "minute": 2}
